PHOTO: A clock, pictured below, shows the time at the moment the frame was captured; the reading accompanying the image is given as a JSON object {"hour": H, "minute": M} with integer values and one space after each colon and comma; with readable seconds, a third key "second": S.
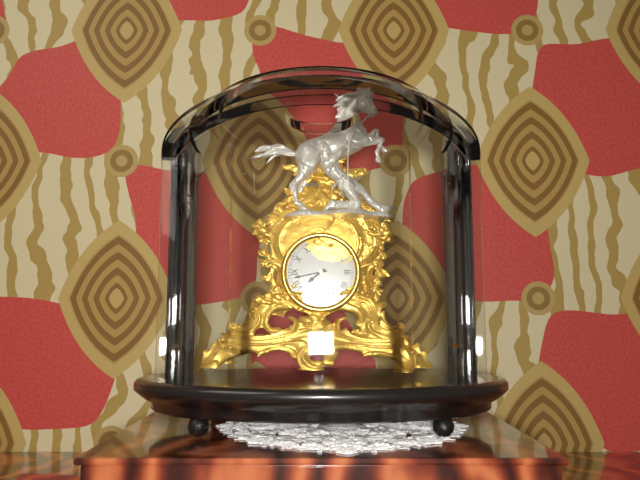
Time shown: {"hour": 7, "minute": 43}
